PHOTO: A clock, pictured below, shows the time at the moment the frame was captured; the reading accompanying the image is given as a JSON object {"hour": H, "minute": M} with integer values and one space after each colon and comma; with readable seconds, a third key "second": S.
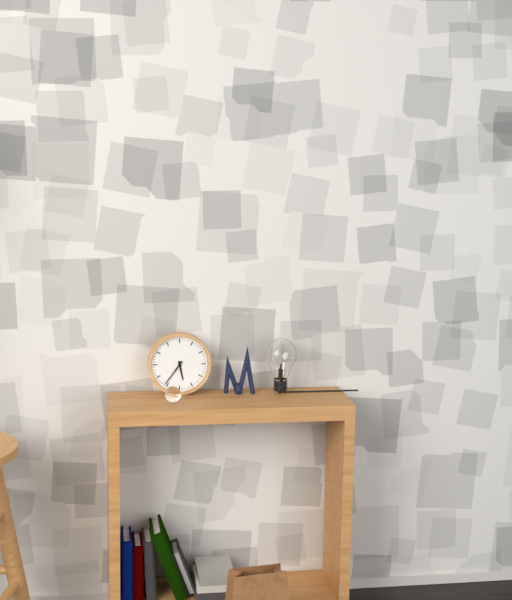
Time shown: {"hour": 5, "minute": 36}
